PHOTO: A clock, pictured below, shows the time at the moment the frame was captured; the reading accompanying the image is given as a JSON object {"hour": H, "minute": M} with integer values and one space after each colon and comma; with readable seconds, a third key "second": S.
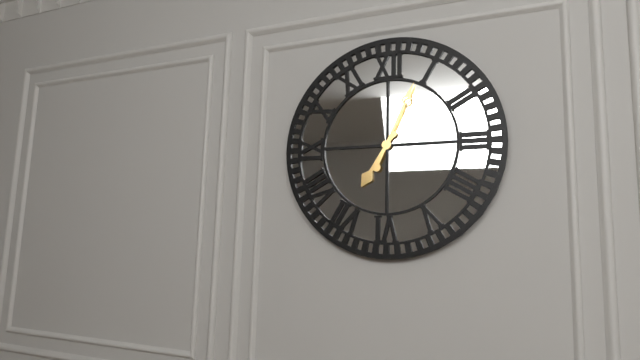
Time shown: {"hour": 7, "minute": 4}
